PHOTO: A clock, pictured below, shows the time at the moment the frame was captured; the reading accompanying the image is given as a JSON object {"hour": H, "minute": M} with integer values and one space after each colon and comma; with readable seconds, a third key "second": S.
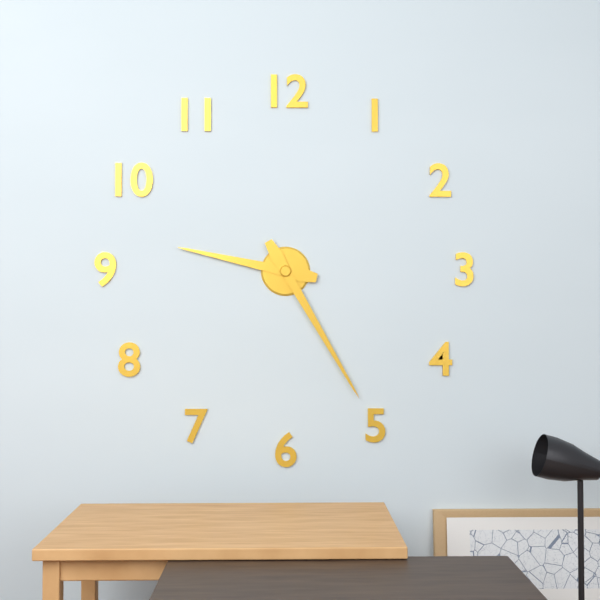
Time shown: {"hour": 9, "minute": 25}
